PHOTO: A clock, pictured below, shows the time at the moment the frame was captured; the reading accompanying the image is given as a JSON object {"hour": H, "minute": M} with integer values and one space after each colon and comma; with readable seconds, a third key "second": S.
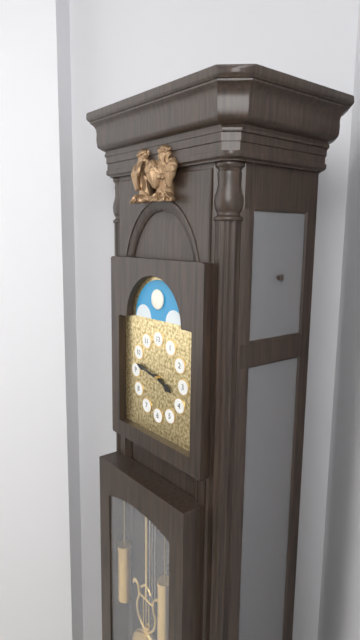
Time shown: {"hour": 3, "minute": 47}
